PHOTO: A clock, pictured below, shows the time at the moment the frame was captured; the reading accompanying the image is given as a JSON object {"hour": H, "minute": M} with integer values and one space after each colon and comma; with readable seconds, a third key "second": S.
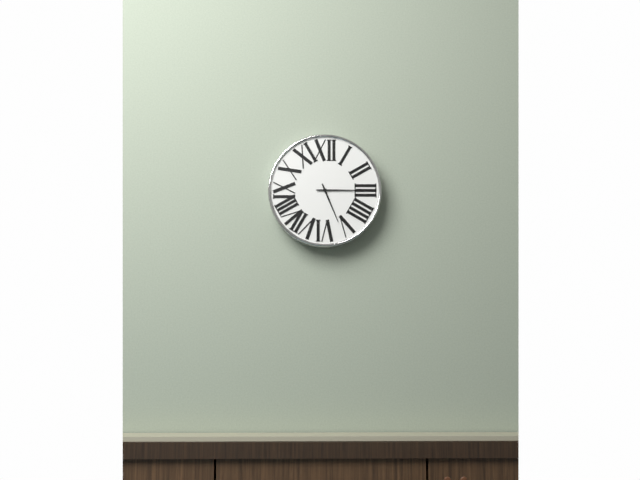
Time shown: {"hour": 5, "minute": 15}
